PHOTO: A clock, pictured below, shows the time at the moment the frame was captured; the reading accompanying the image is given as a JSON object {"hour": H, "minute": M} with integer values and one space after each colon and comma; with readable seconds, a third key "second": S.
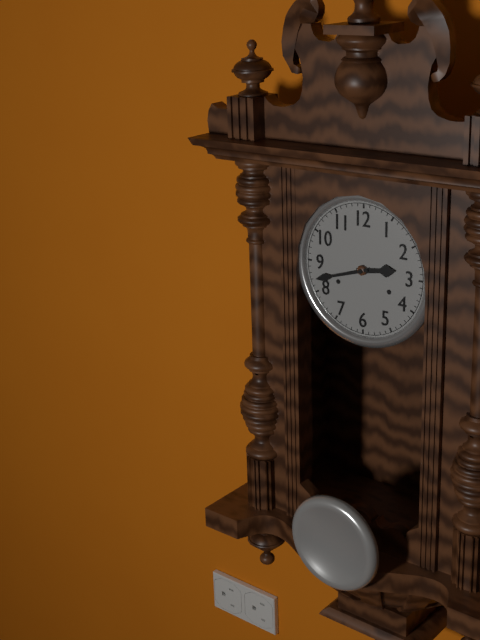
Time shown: {"hour": 2, "minute": 42}
